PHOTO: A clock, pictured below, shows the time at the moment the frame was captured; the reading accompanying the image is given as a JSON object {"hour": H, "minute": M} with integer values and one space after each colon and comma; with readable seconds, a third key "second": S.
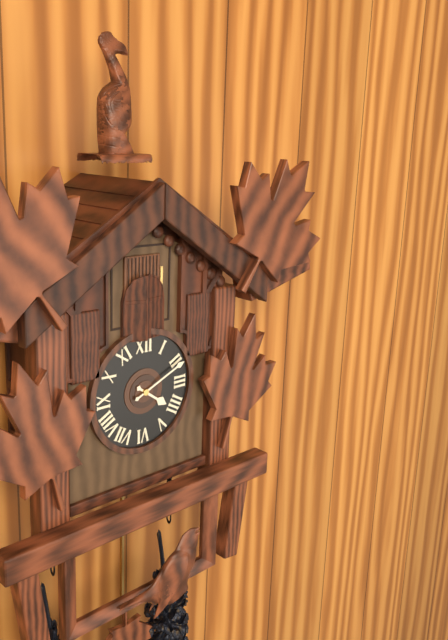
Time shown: {"hour": 4, "minute": 11}
